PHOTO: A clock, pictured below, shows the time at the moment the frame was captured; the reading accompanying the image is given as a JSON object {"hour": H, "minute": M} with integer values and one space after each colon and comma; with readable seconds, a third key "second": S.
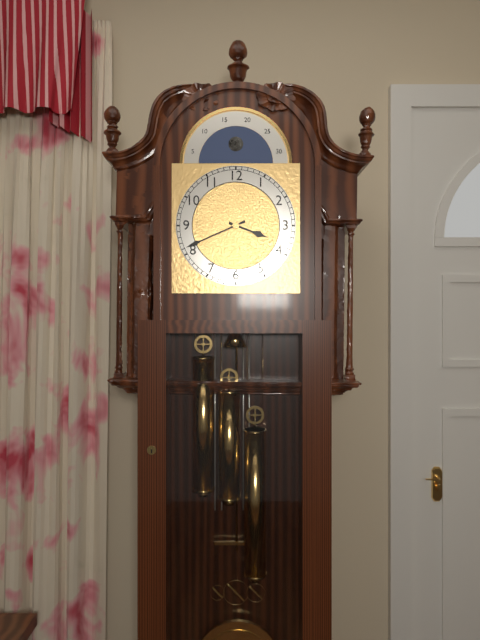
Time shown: {"hour": 3, "minute": 41}
